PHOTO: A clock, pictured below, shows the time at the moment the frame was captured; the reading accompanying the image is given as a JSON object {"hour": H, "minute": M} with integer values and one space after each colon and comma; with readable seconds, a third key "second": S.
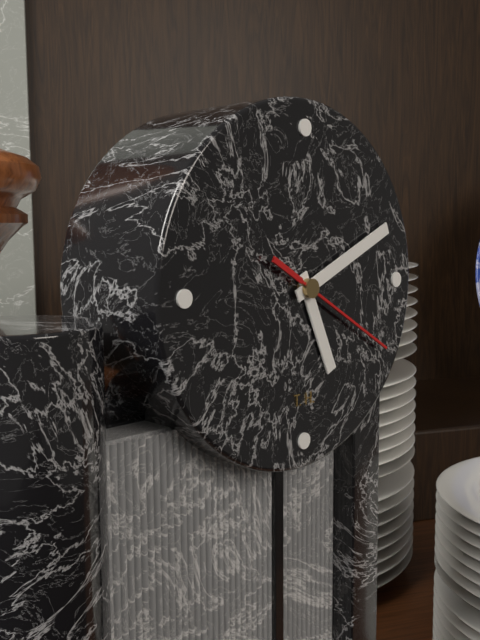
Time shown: {"hour": 5, "minute": 11, "second": 20}
